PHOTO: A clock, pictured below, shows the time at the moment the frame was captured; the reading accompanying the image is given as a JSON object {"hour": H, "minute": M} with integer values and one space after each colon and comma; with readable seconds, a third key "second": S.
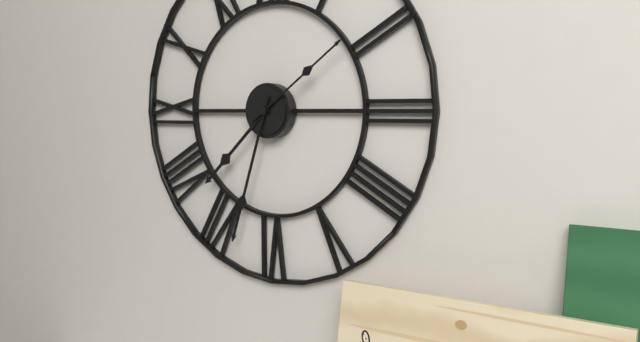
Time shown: {"hour": 7, "minute": 33, "second": 9}
